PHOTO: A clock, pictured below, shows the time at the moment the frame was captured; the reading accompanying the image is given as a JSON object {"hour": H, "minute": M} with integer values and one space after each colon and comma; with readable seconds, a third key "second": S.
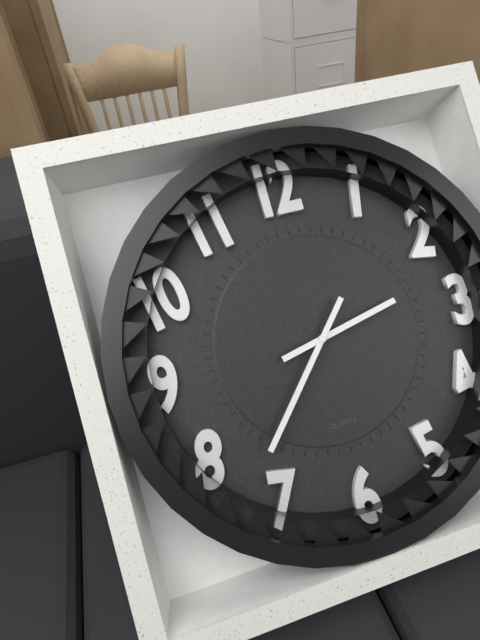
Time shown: {"hour": 2, "minute": 37}
